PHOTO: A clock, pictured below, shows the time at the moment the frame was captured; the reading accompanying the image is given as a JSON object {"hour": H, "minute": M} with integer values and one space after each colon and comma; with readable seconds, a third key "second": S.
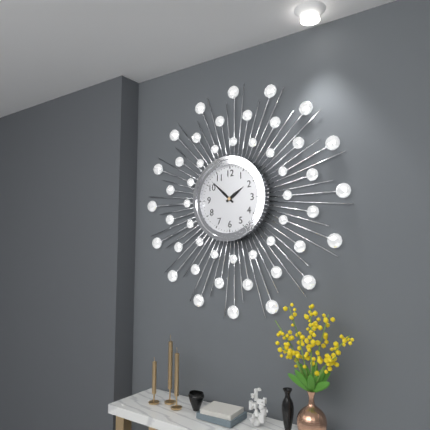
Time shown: {"hour": 1, "minute": 52}
